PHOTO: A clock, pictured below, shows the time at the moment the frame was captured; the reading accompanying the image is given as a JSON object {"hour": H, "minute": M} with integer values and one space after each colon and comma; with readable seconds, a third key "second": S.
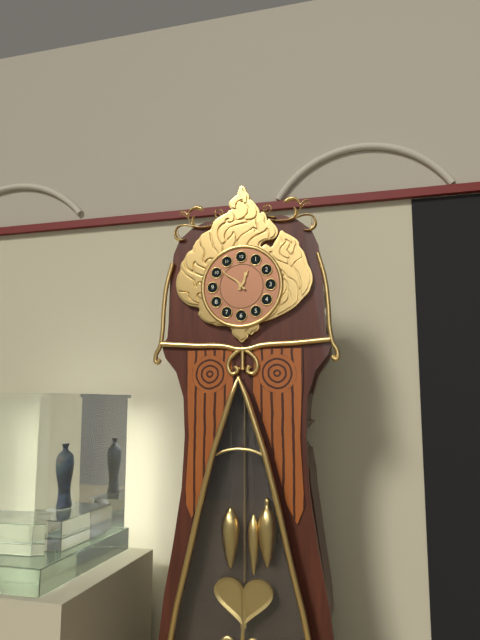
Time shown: {"hour": 12, "minute": 52}
